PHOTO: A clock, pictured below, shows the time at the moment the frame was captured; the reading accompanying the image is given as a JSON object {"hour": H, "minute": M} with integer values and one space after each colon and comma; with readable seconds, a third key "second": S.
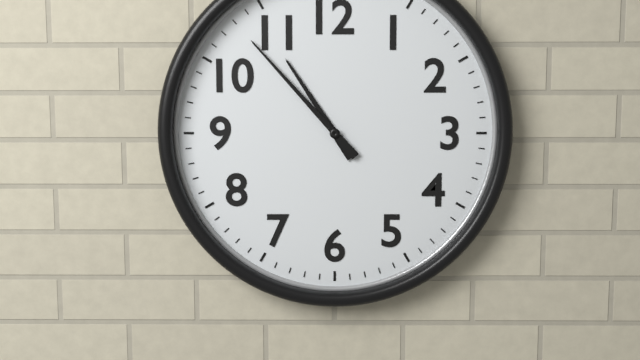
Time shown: {"hour": 10, "minute": 53}
